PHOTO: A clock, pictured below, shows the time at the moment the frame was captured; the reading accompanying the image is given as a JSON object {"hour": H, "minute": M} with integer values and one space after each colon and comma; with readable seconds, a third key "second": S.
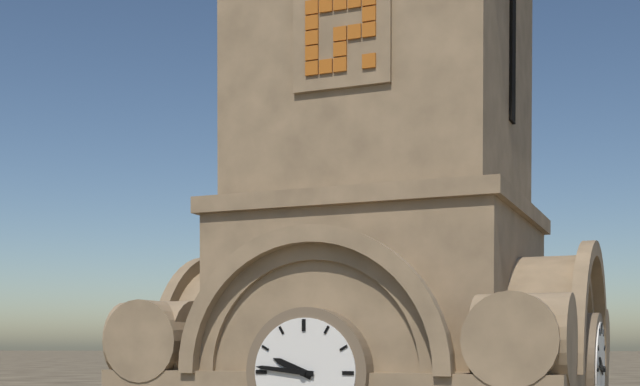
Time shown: {"hour": 9, "minute": 46}
